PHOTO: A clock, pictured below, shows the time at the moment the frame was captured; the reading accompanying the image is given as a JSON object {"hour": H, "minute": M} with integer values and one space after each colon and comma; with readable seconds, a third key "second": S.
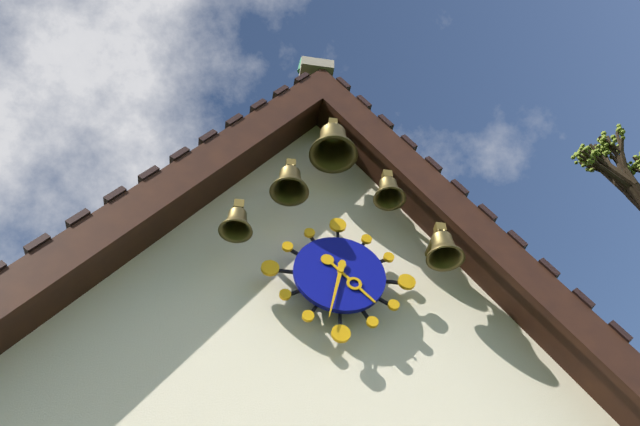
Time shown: {"hour": 4, "minute": 32}
